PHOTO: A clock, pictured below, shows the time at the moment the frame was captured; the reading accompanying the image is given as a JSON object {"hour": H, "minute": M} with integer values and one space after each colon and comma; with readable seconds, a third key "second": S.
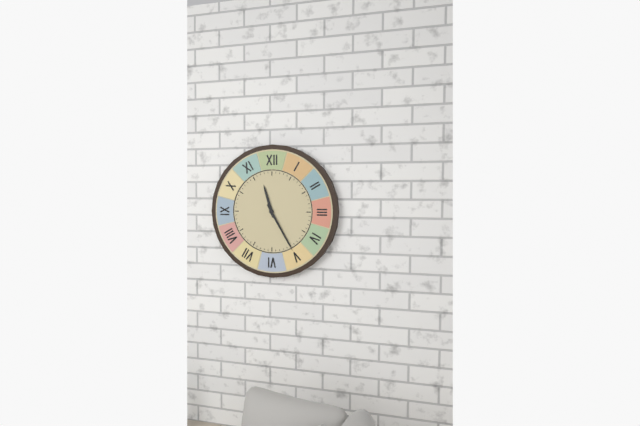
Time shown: {"hour": 11, "minute": 25}
